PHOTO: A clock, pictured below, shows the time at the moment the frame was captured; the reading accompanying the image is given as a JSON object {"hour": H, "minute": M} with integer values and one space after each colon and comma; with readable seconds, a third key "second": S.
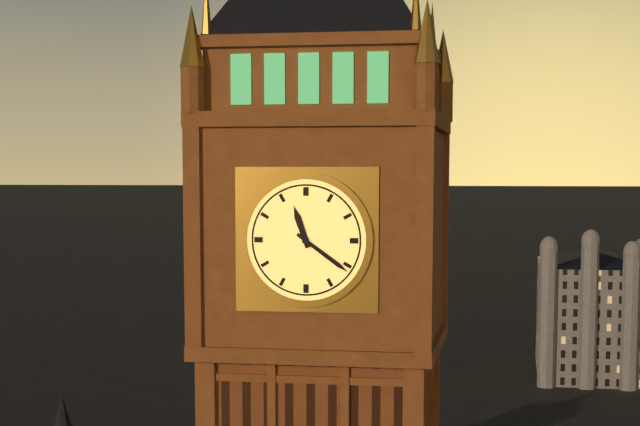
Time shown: {"hour": 11, "minute": 21}
